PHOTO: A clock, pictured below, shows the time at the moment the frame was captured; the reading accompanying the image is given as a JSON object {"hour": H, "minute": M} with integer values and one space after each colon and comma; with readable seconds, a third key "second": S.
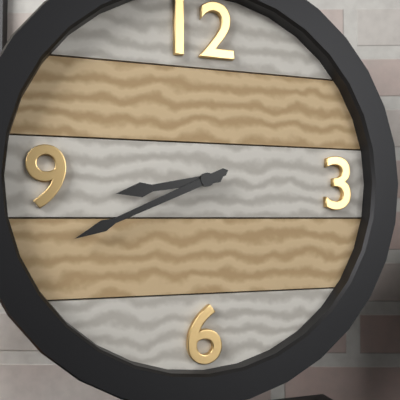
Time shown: {"hour": 8, "minute": 41}
